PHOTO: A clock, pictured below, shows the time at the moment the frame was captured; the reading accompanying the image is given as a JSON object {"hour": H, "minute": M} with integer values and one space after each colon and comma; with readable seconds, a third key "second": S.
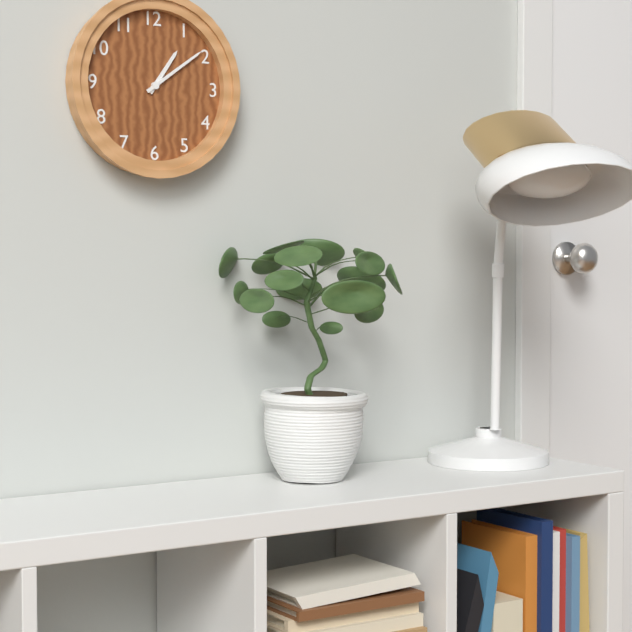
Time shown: {"hour": 1, "minute": 9}
